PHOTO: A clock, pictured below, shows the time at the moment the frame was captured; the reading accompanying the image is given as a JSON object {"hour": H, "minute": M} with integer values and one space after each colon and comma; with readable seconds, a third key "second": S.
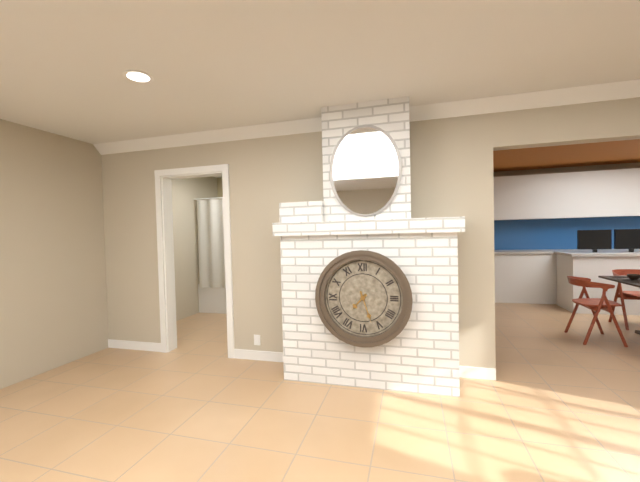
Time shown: {"hour": 7, "minute": 27}
